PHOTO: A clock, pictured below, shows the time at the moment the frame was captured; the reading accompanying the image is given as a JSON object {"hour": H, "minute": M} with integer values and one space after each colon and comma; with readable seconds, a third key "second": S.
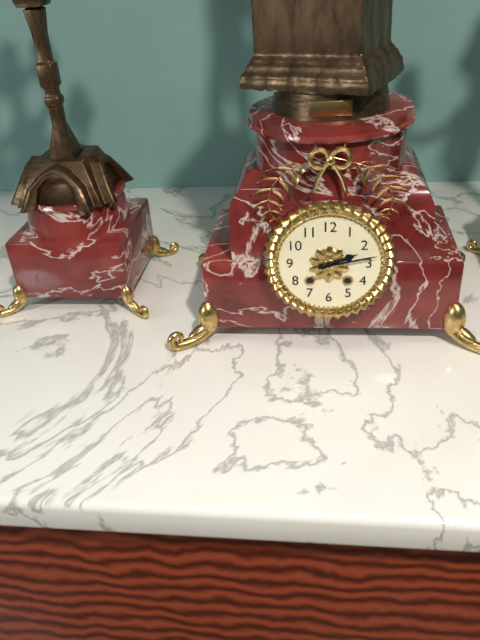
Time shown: {"hour": 2, "minute": 13}
